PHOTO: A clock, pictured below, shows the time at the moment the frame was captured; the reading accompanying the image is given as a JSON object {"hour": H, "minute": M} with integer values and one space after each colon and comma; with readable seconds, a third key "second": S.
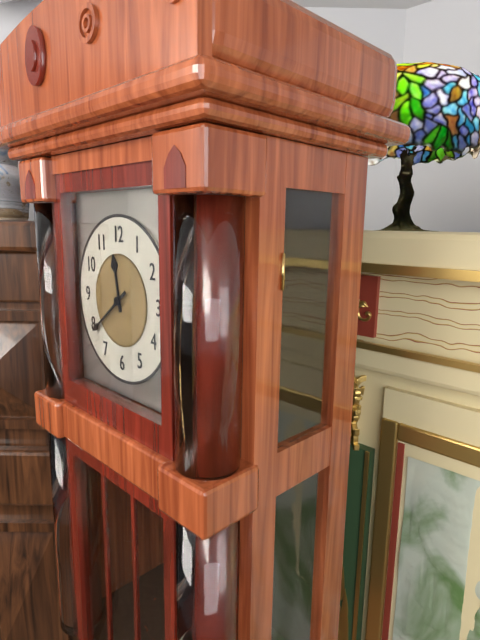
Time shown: {"hour": 11, "minute": 39}
